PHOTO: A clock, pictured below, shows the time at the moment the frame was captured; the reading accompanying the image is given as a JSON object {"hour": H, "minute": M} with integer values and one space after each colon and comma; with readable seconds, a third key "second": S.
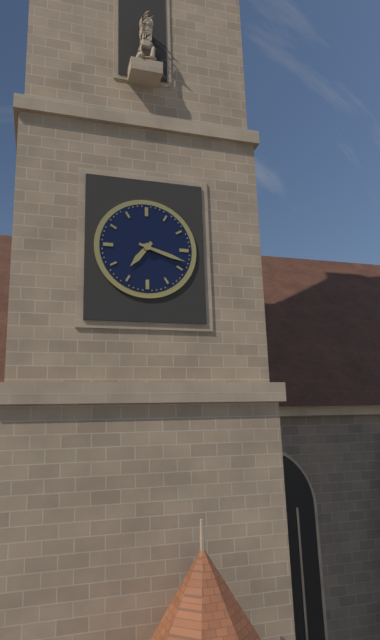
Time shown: {"hour": 7, "minute": 18}
